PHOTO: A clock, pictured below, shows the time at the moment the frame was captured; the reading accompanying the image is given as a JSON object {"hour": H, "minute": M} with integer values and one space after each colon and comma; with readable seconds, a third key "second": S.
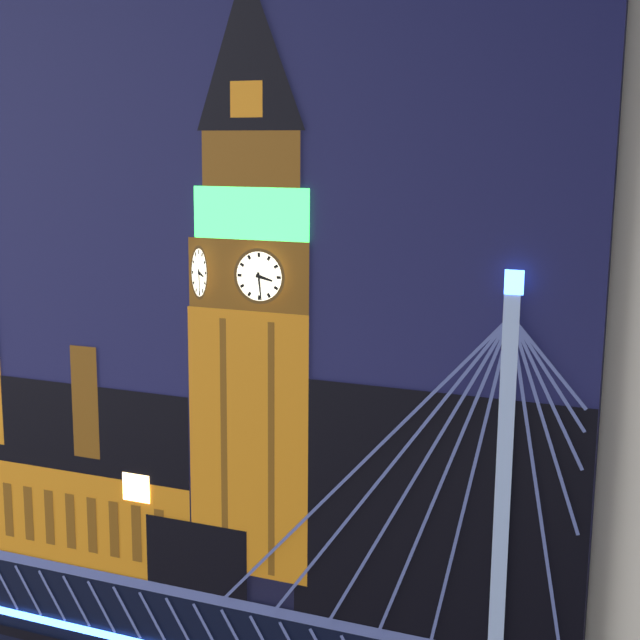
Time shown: {"hour": 3, "minute": 29}
